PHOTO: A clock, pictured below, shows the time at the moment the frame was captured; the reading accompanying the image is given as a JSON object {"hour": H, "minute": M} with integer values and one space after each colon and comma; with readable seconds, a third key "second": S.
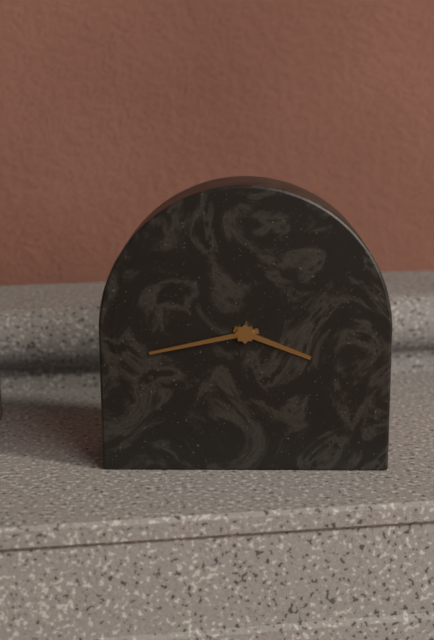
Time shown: {"hour": 3, "minute": 43}
